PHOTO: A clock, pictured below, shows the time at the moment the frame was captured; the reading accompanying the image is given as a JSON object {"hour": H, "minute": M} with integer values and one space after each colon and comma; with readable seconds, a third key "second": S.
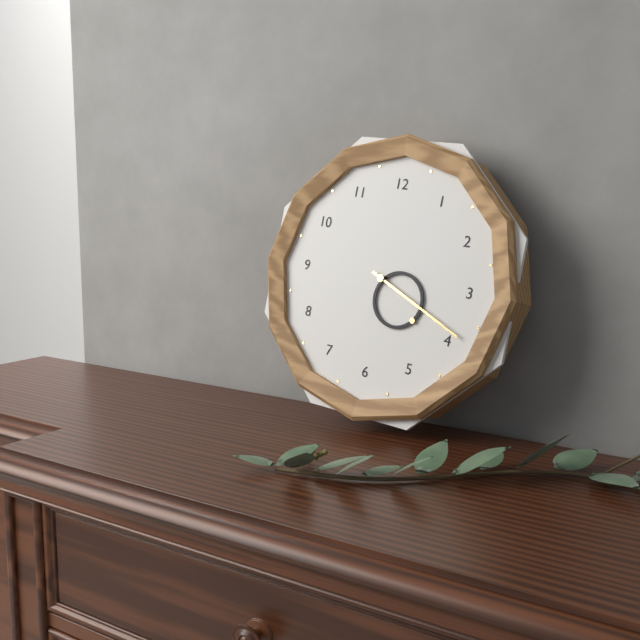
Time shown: {"hour": 4, "minute": 19}
